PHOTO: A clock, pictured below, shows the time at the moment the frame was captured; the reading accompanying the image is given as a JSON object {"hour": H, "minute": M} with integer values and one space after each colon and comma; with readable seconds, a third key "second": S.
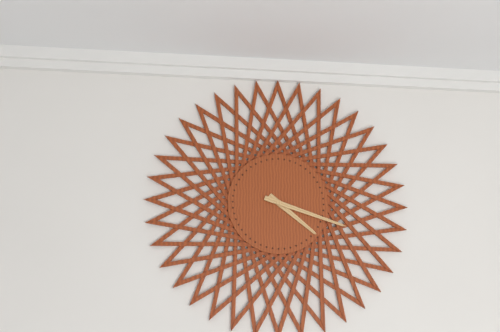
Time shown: {"hour": 4, "minute": 18}
